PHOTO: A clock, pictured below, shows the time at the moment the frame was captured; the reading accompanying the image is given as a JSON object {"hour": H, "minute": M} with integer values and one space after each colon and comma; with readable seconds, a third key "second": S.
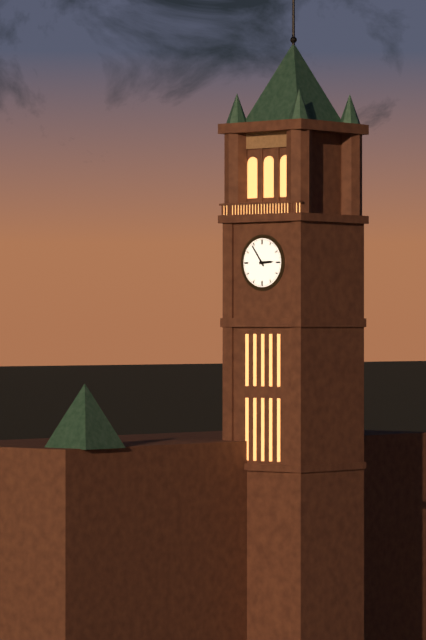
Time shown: {"hour": 2, "minute": 54}
